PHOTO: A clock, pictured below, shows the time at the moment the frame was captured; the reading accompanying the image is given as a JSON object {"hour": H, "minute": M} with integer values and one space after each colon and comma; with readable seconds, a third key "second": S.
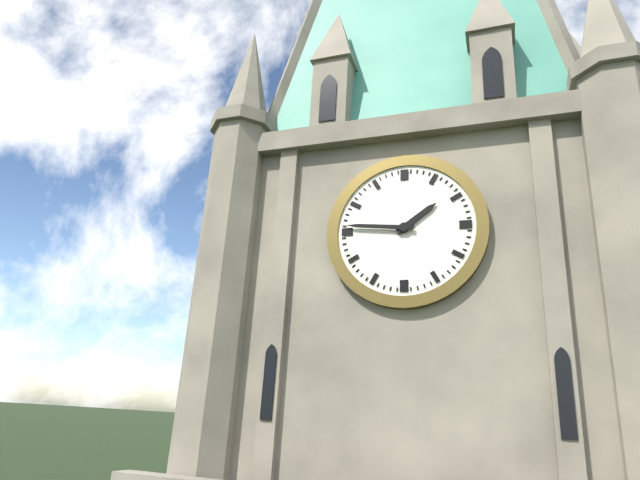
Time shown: {"hour": 1, "minute": 46}
